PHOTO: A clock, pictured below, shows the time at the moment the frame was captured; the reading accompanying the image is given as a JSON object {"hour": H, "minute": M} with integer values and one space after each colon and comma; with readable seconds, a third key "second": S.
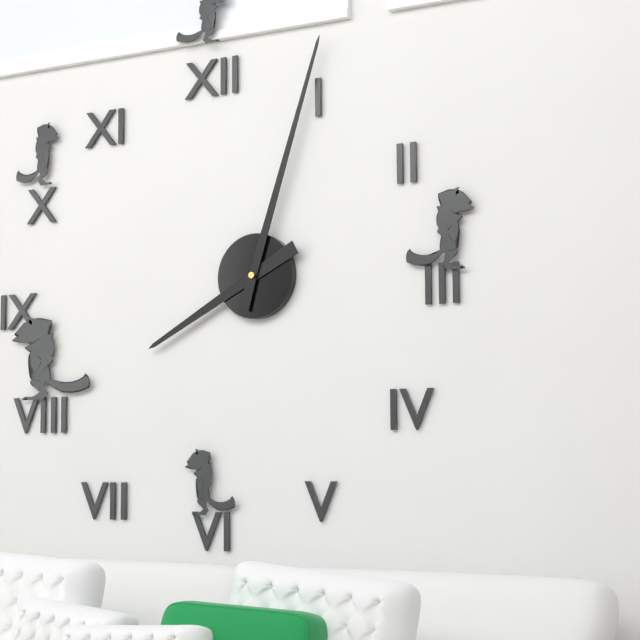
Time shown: {"hour": 8, "minute": 3}
